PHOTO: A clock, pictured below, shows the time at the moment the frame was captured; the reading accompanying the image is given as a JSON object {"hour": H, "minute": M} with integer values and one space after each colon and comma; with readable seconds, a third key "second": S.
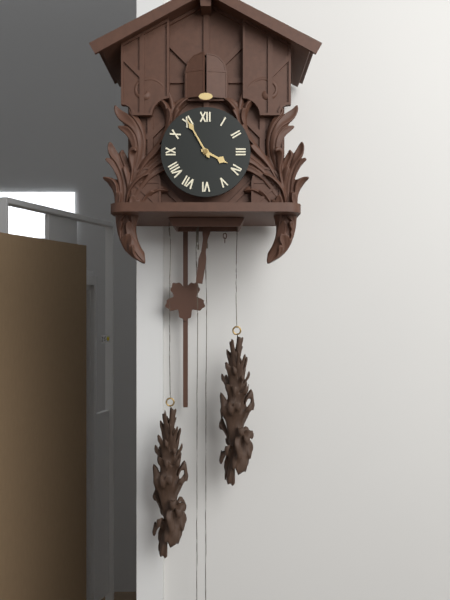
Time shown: {"hour": 3, "minute": 55}
